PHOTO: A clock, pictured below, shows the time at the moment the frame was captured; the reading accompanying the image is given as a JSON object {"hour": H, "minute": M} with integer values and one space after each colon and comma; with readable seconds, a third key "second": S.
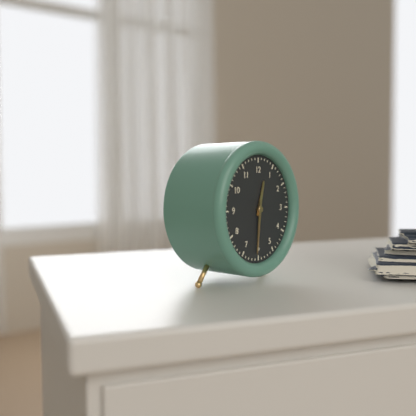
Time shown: {"hour": 12, "minute": 31}
